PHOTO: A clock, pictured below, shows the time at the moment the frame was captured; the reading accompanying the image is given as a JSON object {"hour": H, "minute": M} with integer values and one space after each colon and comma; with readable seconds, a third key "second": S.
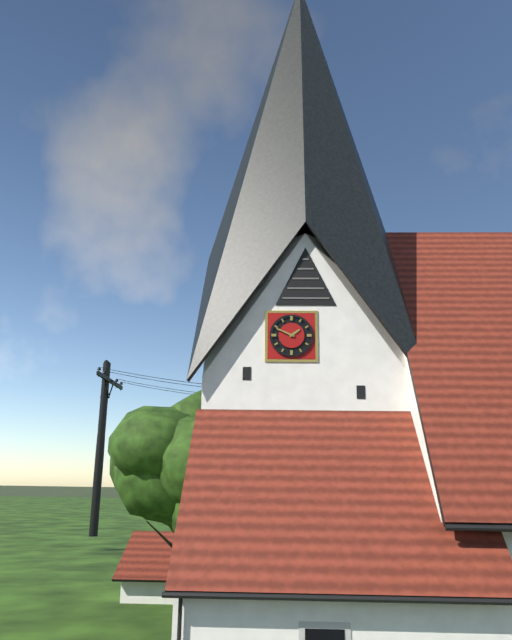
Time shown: {"hour": 1, "minute": 49}
